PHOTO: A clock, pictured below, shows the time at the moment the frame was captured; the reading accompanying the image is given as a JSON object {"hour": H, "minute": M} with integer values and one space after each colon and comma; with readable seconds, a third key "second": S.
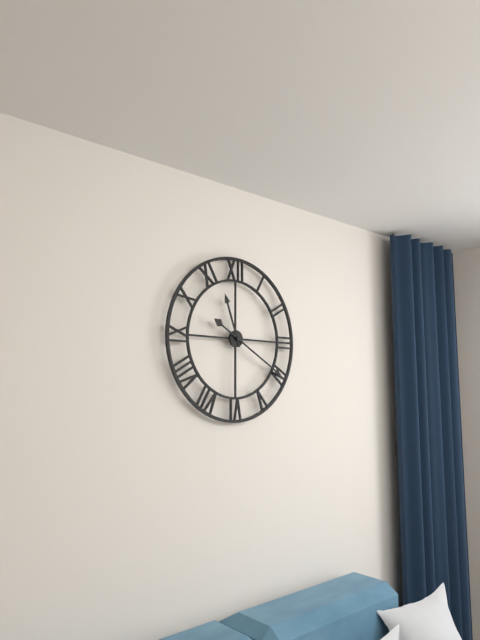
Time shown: {"hour": 11, "minute": 20}
